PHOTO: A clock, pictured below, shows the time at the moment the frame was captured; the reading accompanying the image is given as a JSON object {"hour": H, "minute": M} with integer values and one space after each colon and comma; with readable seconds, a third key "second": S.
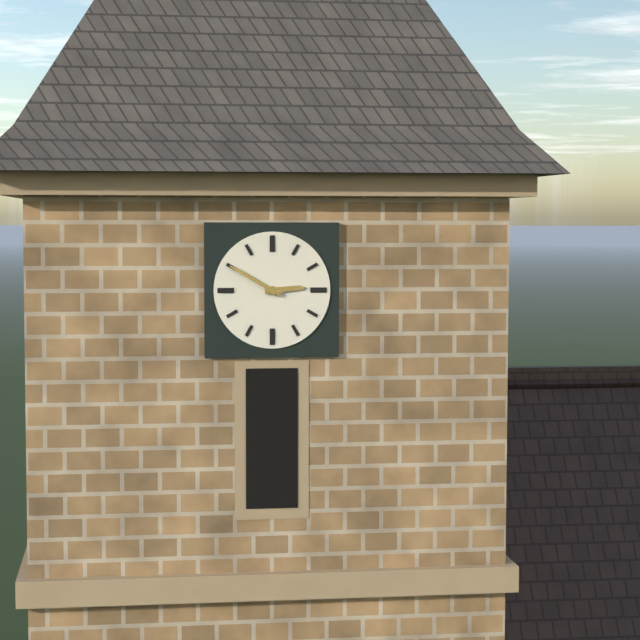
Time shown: {"hour": 2, "minute": 50}
